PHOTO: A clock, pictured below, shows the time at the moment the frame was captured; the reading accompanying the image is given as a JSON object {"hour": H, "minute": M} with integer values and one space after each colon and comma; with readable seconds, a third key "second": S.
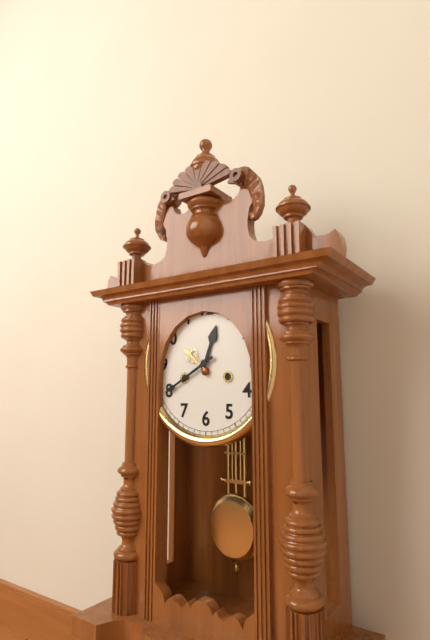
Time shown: {"hour": 12, "minute": 40}
